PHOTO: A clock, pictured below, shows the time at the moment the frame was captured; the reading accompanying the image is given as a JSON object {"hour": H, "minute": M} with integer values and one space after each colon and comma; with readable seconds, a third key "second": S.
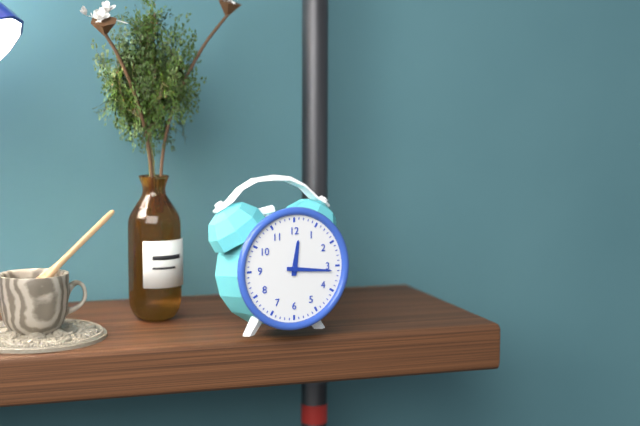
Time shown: {"hour": 12, "minute": 16}
